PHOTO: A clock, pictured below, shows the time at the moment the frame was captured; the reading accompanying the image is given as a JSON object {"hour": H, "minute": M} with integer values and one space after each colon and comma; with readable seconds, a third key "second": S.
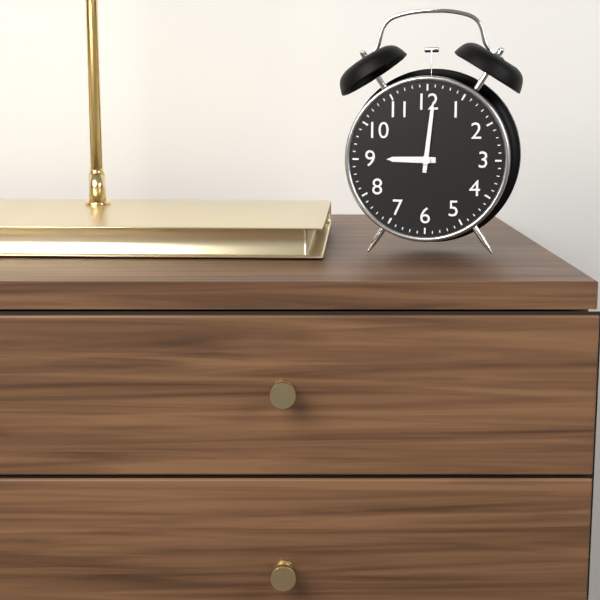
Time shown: {"hour": 9, "minute": 1}
